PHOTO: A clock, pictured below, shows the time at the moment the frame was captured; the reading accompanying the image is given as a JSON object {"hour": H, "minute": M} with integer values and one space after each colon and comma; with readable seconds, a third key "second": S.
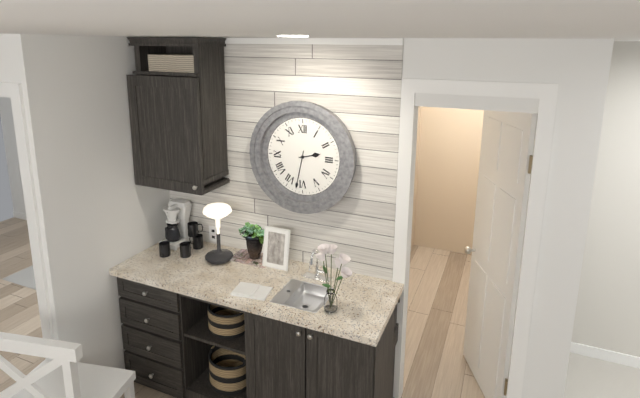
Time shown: {"hour": 2, "minute": 32}
